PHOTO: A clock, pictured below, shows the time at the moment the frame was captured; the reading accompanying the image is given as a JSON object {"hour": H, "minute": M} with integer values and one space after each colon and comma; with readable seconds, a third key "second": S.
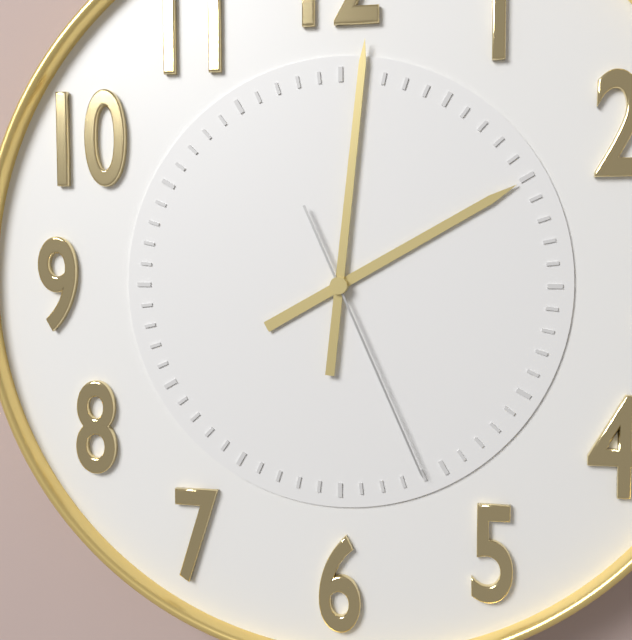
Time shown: {"hour": 2, "minute": 1, "second": 26}
